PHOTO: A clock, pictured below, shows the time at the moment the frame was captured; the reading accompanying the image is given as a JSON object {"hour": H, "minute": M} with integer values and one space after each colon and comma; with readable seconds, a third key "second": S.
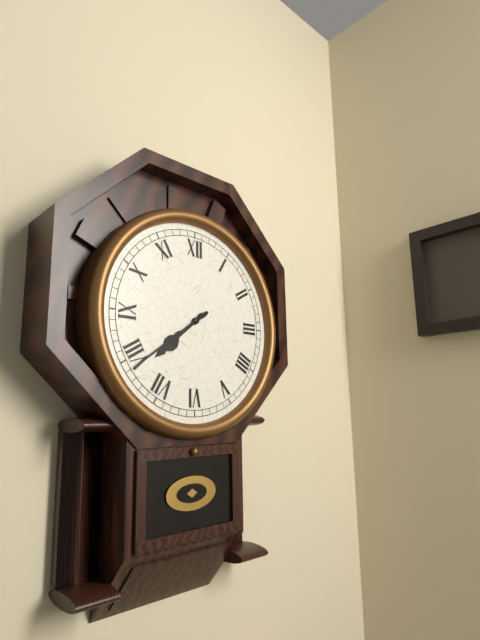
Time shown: {"hour": 7, "minute": 39}
